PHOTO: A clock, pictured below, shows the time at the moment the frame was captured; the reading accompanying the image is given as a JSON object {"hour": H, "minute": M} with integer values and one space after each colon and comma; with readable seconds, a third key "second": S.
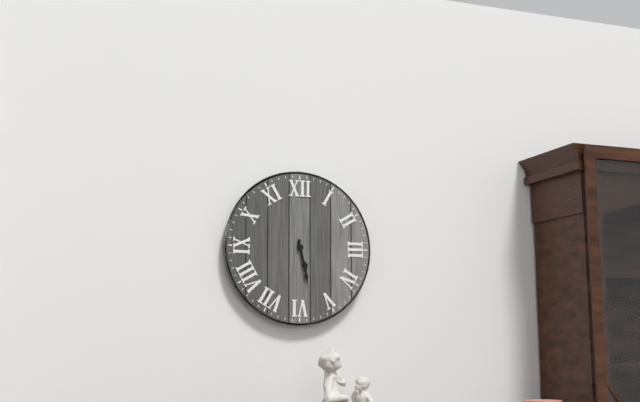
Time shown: {"hour": 5, "minute": 28}
